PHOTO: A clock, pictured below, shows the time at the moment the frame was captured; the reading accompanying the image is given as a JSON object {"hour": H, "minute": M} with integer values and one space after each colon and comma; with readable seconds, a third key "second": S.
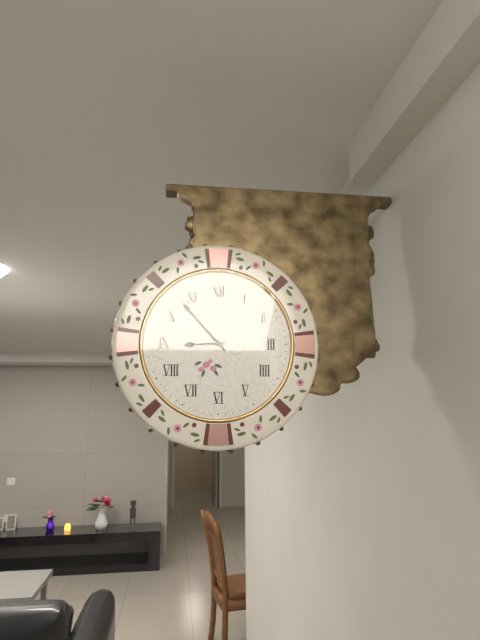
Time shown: {"hour": 8, "minute": 53}
